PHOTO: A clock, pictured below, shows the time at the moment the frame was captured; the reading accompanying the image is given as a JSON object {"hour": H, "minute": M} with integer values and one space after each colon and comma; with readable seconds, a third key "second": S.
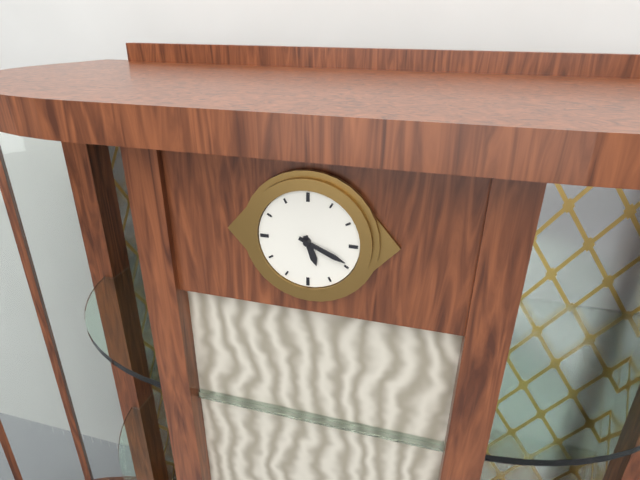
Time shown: {"hour": 5, "minute": 19}
